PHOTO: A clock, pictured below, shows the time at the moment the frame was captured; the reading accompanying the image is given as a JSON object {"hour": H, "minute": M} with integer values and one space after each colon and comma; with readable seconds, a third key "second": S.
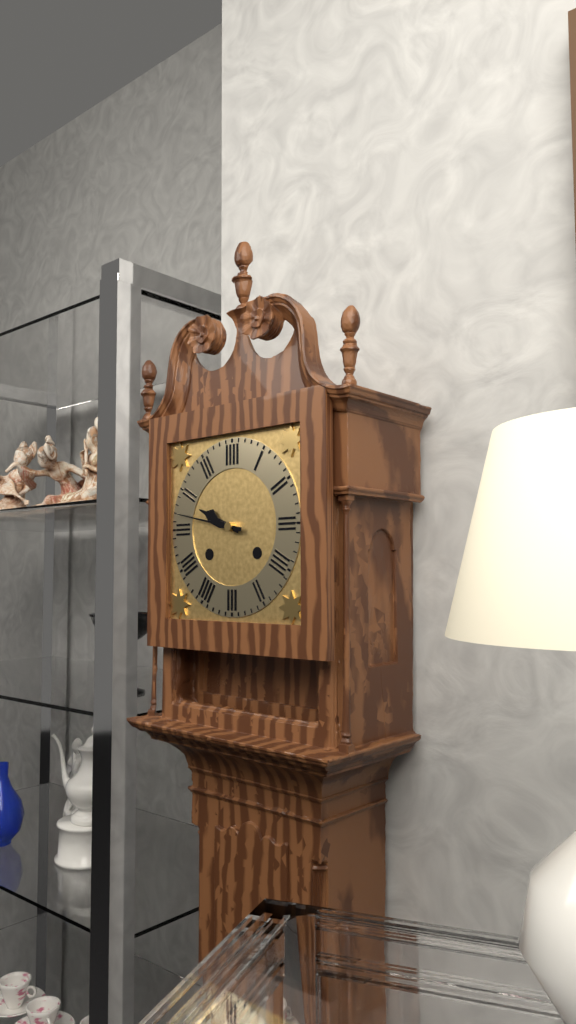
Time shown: {"hour": 9, "minute": 47}
